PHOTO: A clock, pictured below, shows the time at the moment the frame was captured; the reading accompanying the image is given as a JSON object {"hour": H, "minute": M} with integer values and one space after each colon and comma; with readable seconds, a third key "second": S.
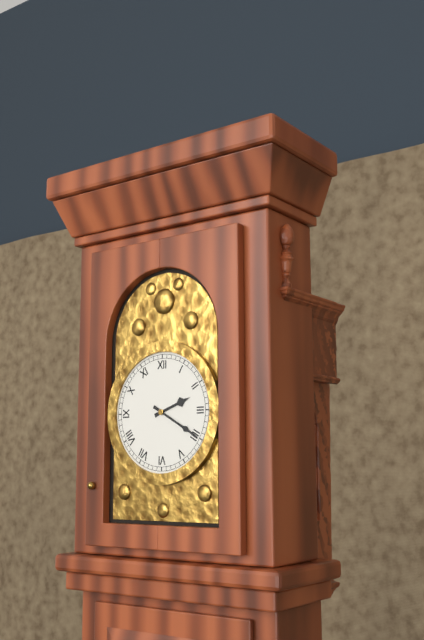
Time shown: {"hour": 2, "minute": 20}
